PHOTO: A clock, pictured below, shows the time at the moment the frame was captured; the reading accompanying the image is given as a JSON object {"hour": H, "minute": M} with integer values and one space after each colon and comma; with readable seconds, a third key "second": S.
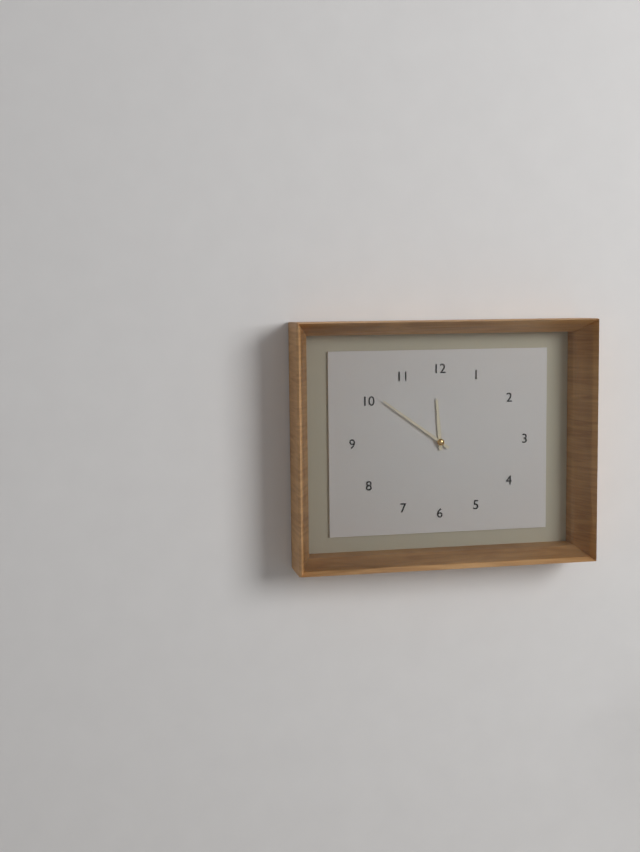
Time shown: {"hour": 11, "minute": 51}
